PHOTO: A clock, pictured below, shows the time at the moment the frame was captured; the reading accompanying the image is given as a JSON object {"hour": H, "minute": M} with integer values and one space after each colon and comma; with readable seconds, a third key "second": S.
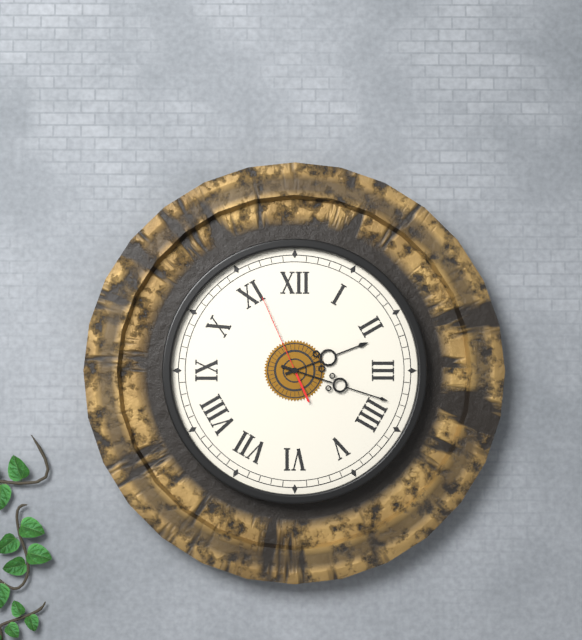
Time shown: {"hour": 2, "minute": 18, "second": 56}
